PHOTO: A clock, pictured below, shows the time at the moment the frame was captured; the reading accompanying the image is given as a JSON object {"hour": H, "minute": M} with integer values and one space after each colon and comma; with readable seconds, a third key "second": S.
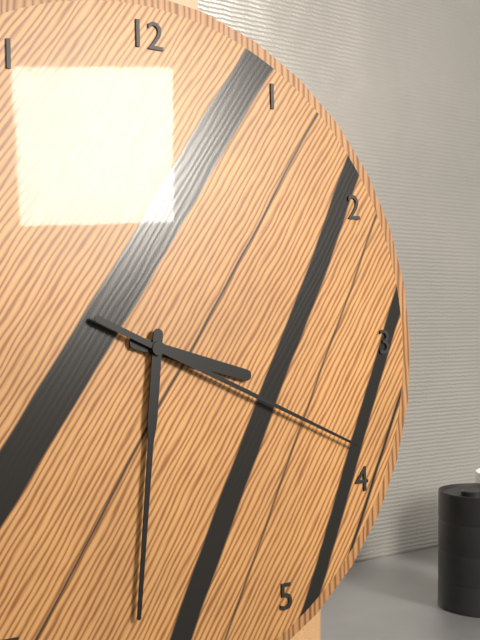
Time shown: {"hour": 3, "minute": 31, "second": 19}
